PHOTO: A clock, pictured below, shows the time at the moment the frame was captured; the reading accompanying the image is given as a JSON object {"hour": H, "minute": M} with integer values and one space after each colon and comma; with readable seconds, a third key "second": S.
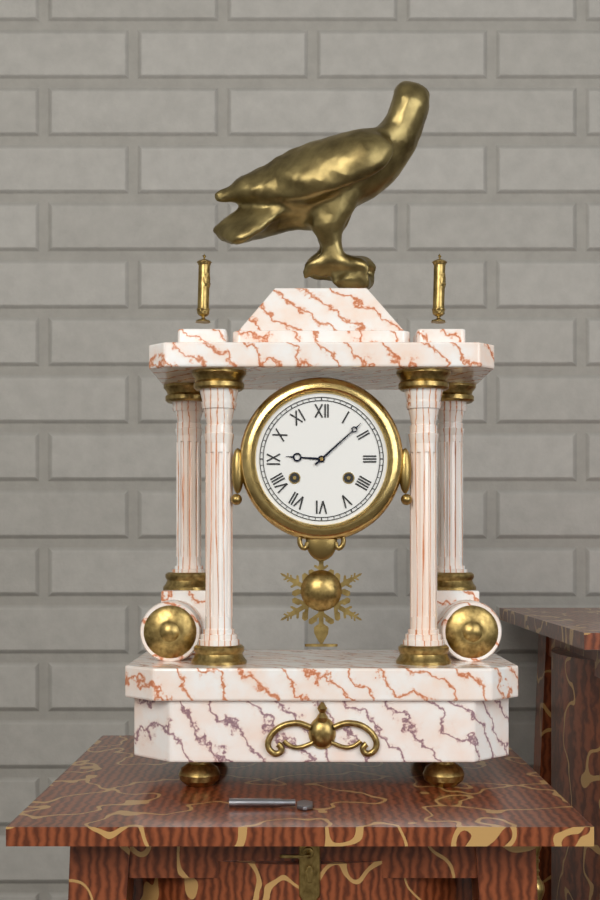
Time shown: {"hour": 9, "minute": 8}
